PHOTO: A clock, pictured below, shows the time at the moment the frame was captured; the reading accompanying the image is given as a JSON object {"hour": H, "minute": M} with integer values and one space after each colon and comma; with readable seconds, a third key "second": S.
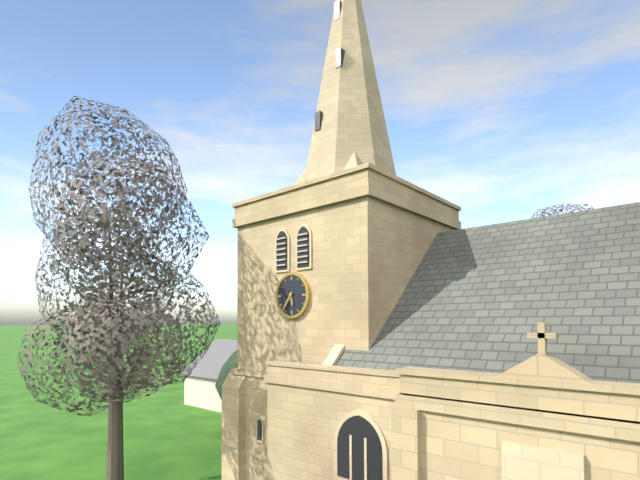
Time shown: {"hour": 5, "minute": 36}
